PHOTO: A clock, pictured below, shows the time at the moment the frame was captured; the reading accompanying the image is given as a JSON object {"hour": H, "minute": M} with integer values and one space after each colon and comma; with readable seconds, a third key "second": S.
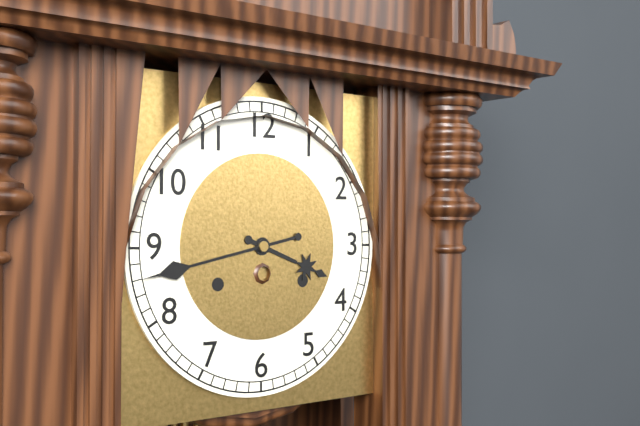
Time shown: {"hour": 3, "minute": 43}
